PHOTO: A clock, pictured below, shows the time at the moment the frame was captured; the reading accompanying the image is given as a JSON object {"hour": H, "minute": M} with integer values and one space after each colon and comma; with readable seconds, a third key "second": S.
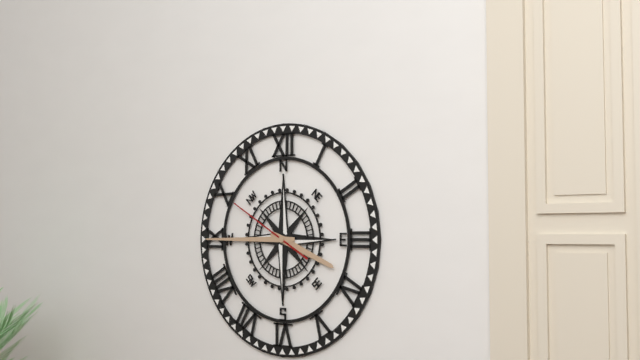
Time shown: {"hour": 3, "minute": 45, "second": 50}
